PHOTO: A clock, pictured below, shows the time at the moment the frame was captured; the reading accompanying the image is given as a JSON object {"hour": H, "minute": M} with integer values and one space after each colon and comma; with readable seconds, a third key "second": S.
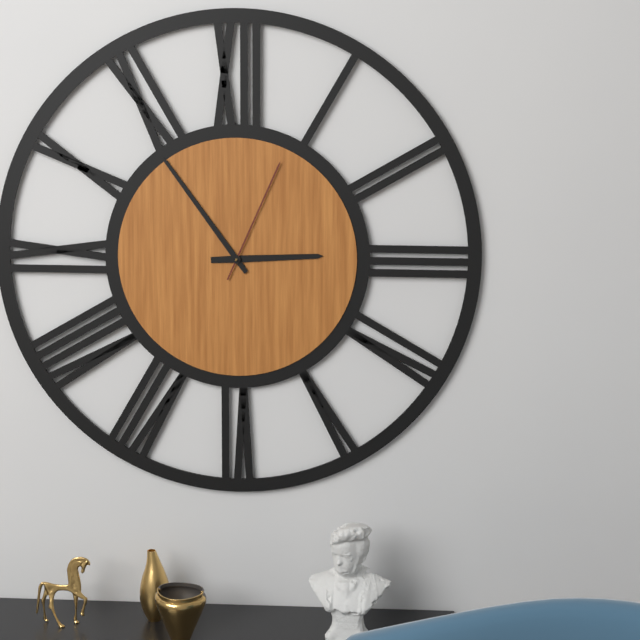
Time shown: {"hour": 2, "minute": 54, "second": 4}
